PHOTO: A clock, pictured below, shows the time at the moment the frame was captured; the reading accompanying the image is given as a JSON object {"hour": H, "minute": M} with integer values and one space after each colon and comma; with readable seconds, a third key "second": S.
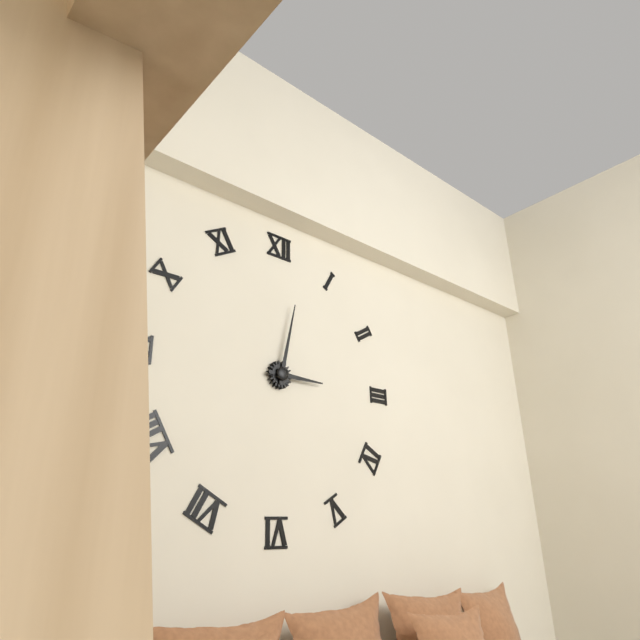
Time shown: {"hour": 3, "minute": 2}
